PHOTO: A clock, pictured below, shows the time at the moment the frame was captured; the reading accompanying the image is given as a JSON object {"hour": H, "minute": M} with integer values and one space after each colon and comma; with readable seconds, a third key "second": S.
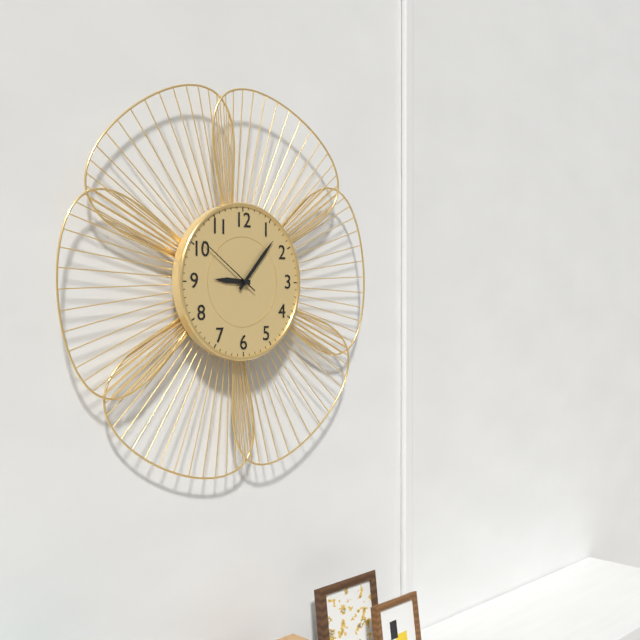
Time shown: {"hour": 9, "minute": 7, "second": 51}
